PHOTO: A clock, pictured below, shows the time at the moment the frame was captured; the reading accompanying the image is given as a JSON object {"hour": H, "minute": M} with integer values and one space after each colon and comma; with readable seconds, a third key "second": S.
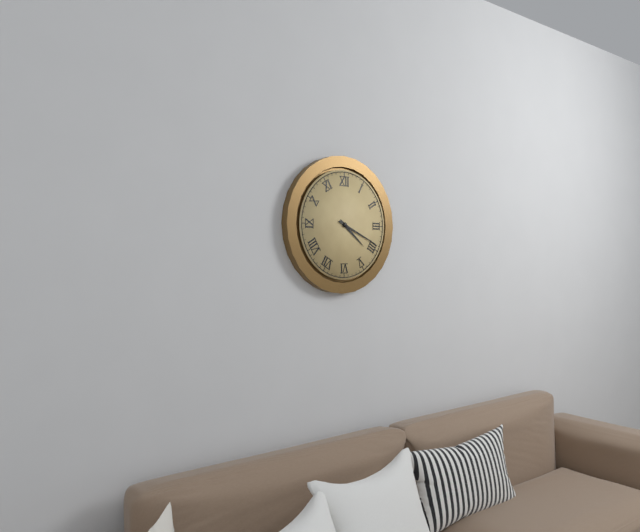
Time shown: {"hour": 4, "minute": 19}
